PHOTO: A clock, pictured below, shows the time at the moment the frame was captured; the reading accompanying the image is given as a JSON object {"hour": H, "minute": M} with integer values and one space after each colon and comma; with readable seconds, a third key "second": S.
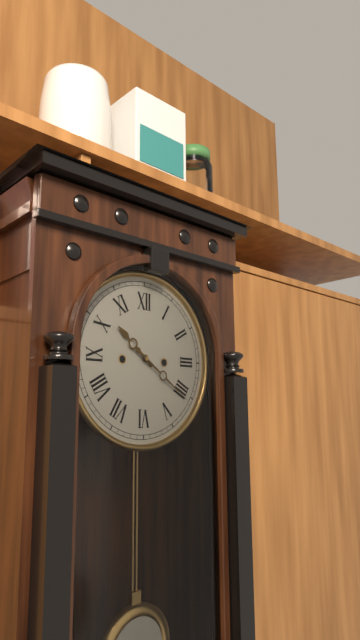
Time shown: {"hour": 10, "minute": 21}
